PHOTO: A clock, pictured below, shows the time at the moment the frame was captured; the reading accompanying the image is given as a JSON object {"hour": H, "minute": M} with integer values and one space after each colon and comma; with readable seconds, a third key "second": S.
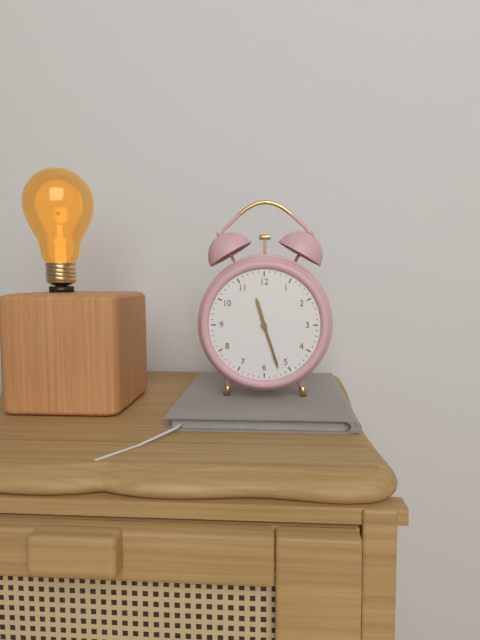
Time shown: {"hour": 11, "minute": 27}
